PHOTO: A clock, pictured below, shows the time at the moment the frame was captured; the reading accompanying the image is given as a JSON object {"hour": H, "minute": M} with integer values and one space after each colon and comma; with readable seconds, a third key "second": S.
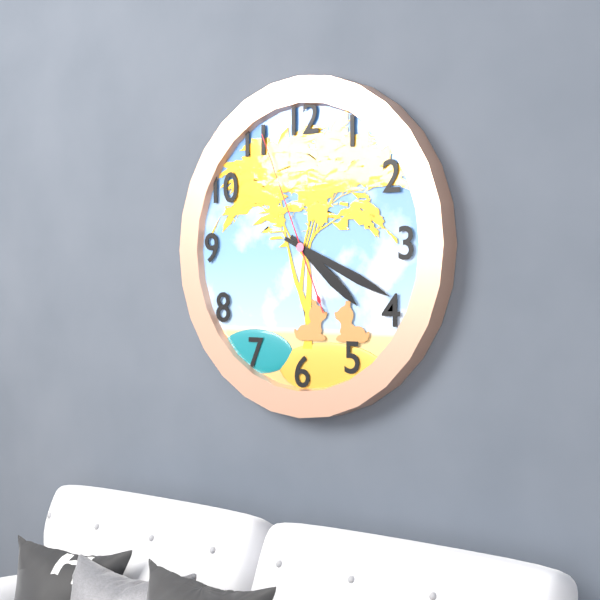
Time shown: {"hour": 4, "minute": 19, "second": 56}
